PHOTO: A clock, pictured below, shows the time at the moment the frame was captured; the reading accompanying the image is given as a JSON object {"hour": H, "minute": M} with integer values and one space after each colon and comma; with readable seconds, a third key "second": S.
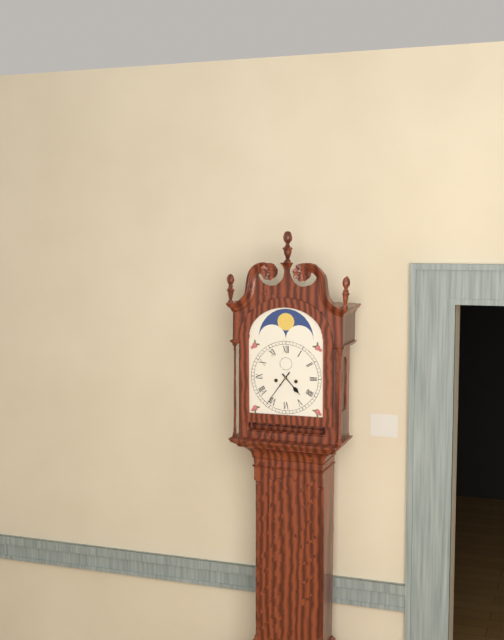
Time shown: {"hour": 4, "minute": 36}
